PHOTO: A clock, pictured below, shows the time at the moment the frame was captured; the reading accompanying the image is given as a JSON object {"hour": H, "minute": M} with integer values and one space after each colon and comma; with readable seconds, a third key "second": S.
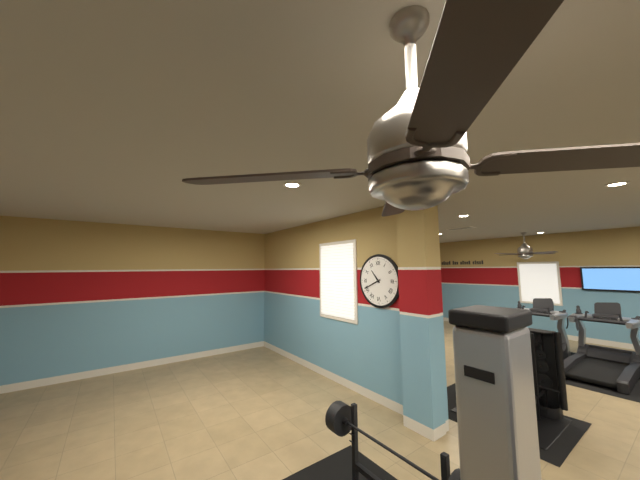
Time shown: {"hour": 10, "minute": 41}
